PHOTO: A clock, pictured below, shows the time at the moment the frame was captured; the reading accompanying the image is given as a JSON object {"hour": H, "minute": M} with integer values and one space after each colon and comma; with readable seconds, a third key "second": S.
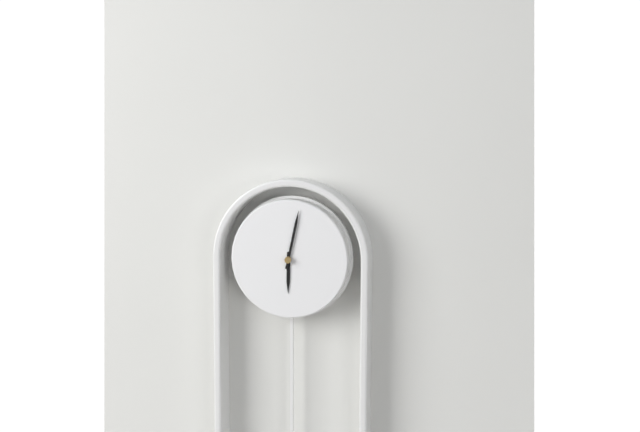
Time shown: {"hour": 6, "minute": 2}
